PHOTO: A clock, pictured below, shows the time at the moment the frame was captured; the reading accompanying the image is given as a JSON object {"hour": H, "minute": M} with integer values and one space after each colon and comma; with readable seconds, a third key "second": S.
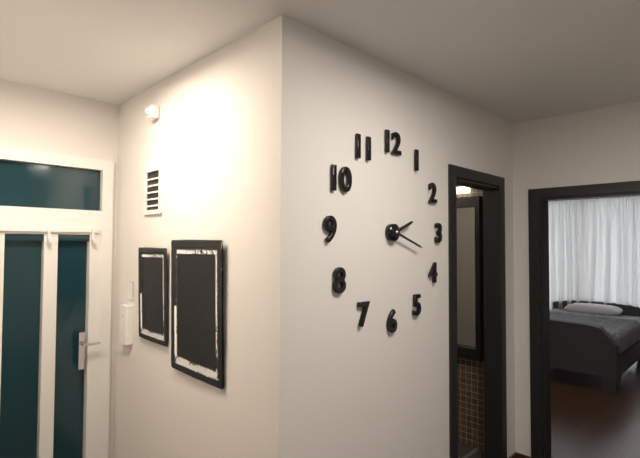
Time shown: {"hour": 2, "minute": 18}
